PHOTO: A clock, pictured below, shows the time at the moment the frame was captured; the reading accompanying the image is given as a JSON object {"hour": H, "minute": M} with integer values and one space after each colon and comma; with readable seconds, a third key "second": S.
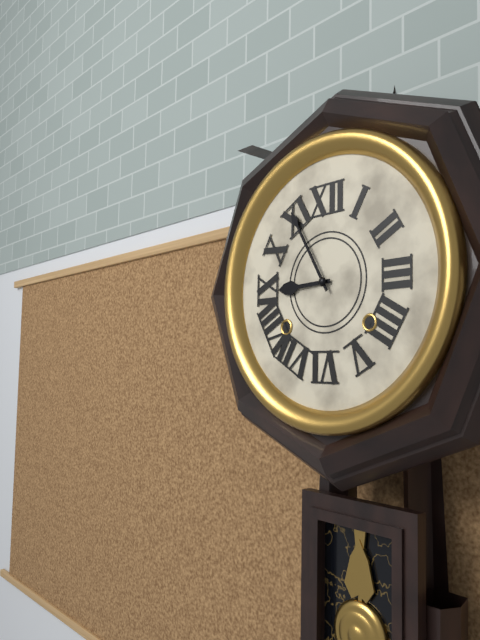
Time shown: {"hour": 8, "minute": 55}
